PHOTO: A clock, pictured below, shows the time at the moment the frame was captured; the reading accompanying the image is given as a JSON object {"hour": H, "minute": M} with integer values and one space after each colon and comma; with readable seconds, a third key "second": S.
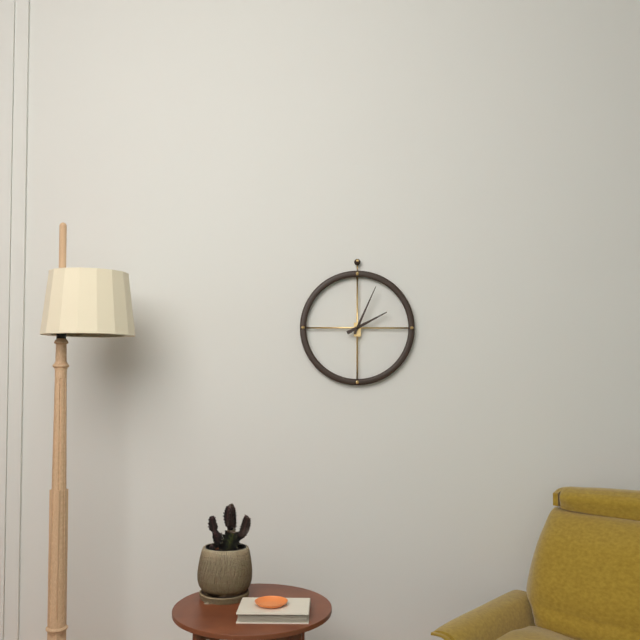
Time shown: {"hour": 2, "minute": 4}
